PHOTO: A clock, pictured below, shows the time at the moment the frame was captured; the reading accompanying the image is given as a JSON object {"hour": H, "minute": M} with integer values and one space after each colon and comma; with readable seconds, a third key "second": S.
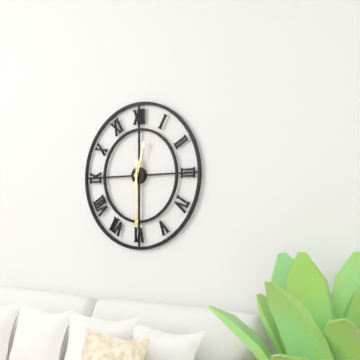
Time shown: {"hour": 12, "minute": 30}
